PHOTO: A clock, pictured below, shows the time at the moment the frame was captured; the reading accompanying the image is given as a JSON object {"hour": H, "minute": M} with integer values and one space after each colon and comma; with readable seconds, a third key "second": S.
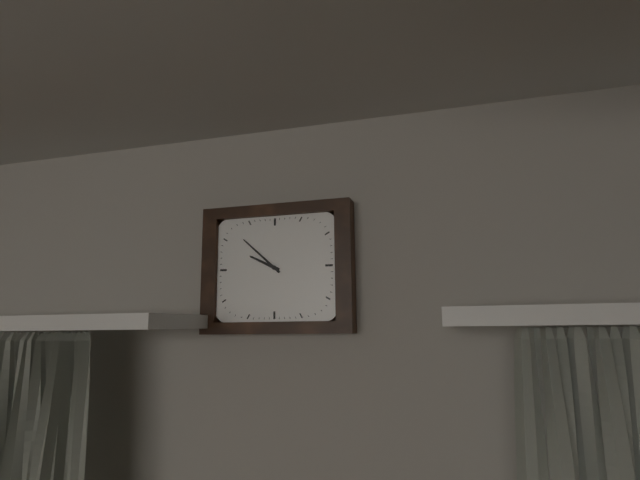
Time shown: {"hour": 9, "minute": 52}
